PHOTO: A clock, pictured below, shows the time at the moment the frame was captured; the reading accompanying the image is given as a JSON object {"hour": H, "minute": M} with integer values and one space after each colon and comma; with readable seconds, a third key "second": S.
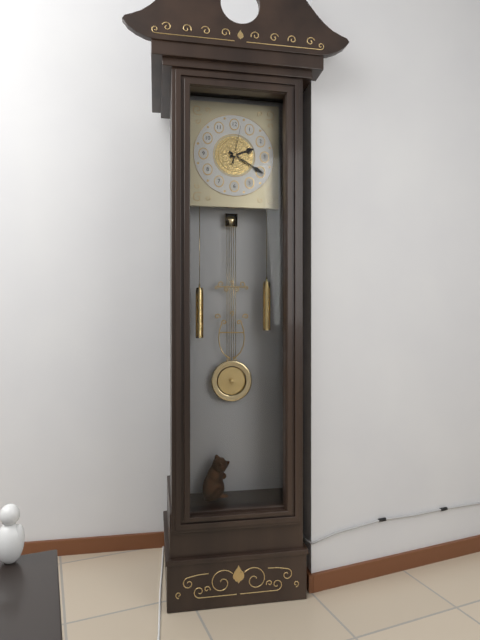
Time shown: {"hour": 2, "minute": 20}
